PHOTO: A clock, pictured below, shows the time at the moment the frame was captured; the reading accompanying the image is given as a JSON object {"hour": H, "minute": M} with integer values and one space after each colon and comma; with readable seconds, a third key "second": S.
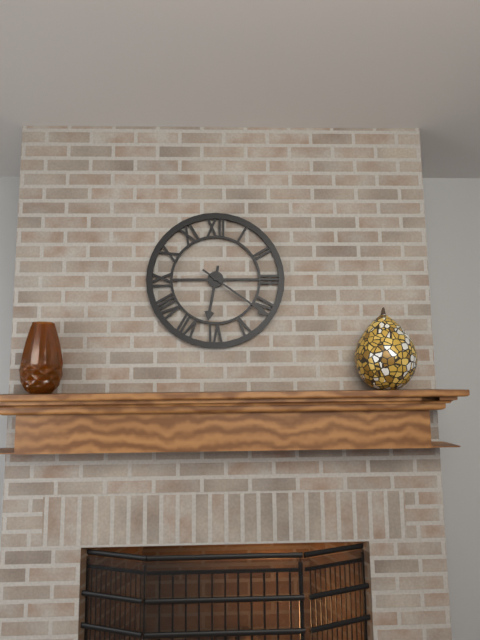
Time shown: {"hour": 6, "minute": 21}
